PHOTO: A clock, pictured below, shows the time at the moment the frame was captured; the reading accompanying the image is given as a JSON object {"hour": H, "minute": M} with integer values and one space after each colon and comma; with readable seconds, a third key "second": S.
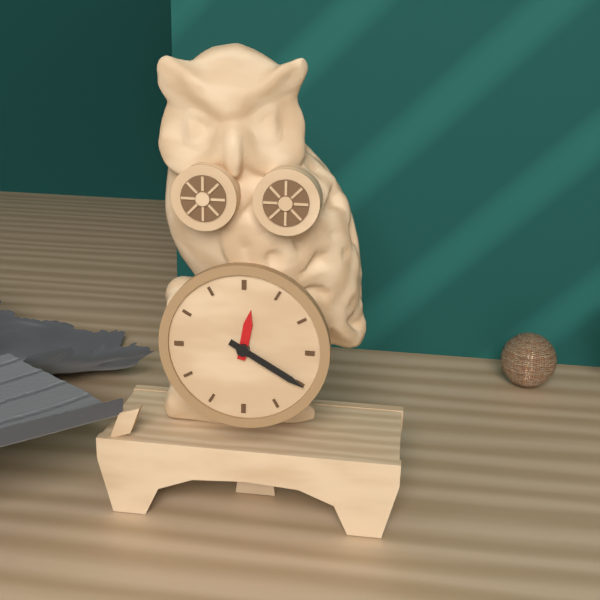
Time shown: {"hour": 12, "minute": 20}
